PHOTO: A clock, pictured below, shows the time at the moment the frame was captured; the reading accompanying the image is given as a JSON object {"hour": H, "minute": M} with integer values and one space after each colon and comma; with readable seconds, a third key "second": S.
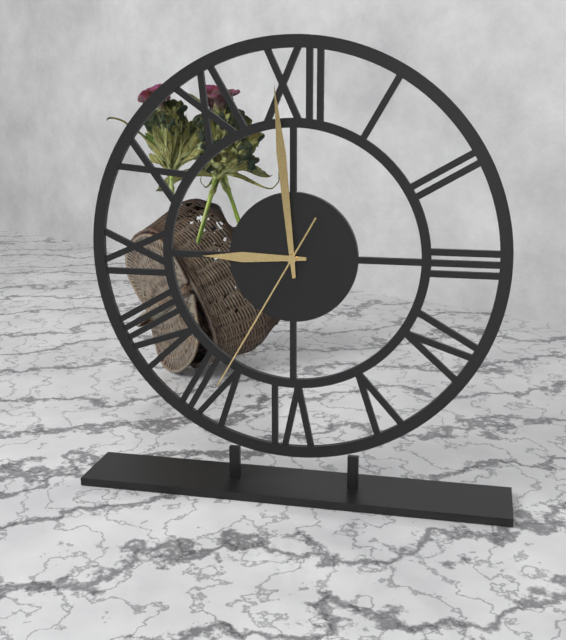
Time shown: {"hour": 8, "minute": 59, "second": 35}
